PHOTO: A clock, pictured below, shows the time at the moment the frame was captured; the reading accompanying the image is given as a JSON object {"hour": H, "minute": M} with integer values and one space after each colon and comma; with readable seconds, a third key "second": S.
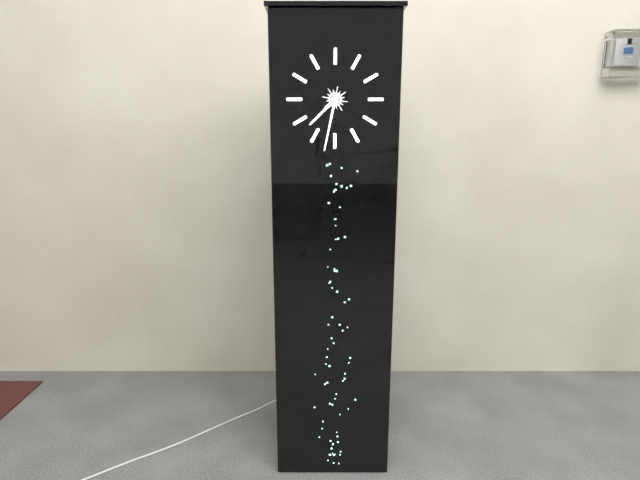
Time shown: {"hour": 7, "minute": 32}
